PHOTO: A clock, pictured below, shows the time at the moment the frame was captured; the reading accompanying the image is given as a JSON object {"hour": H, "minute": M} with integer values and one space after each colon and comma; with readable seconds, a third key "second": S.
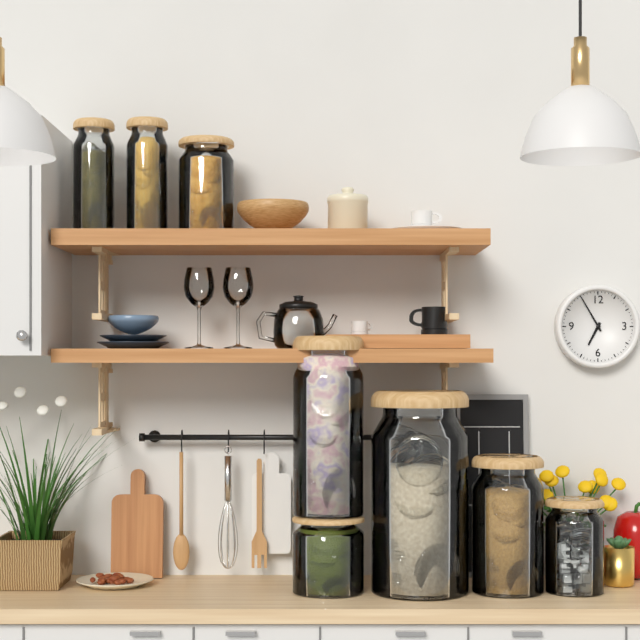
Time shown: {"hour": 6, "minute": 55}
